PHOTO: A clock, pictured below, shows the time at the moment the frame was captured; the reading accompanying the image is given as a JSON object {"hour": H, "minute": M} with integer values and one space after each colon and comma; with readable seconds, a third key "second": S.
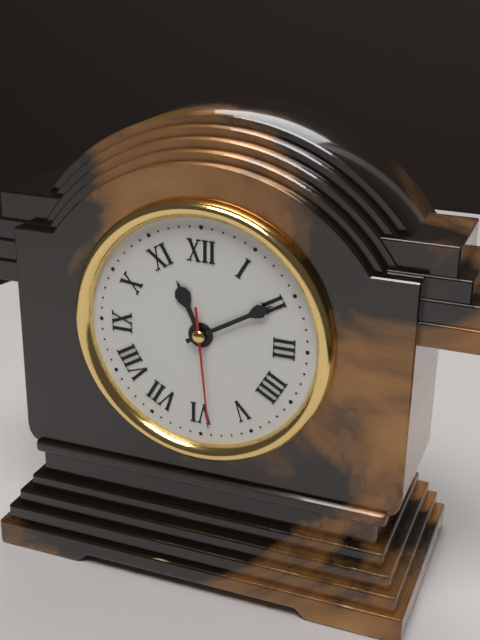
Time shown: {"hour": 11, "minute": 10, "second": 29}
